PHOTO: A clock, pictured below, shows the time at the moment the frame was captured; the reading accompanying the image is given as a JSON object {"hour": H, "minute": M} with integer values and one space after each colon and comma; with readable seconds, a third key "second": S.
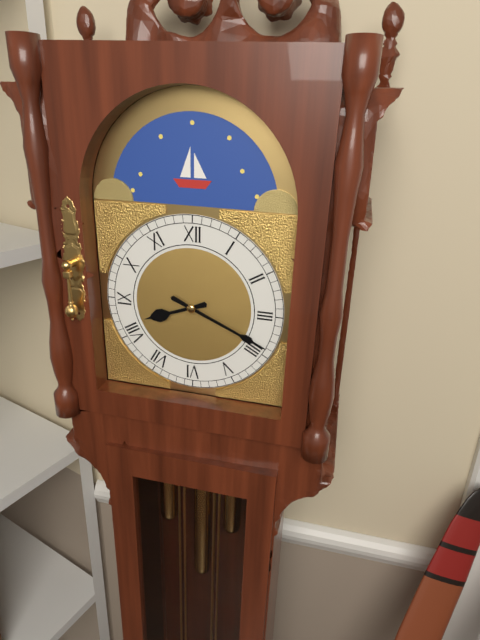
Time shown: {"hour": 8, "minute": 19}
